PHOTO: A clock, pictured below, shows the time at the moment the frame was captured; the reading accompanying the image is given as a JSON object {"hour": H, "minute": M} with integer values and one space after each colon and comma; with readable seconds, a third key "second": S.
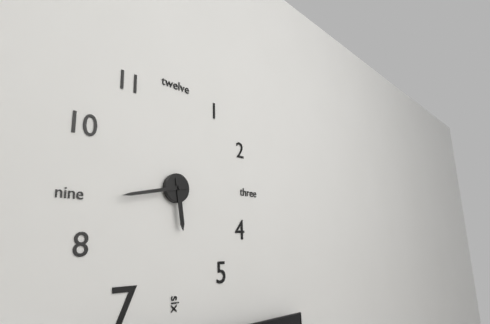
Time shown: {"hour": 5, "minute": 43}
